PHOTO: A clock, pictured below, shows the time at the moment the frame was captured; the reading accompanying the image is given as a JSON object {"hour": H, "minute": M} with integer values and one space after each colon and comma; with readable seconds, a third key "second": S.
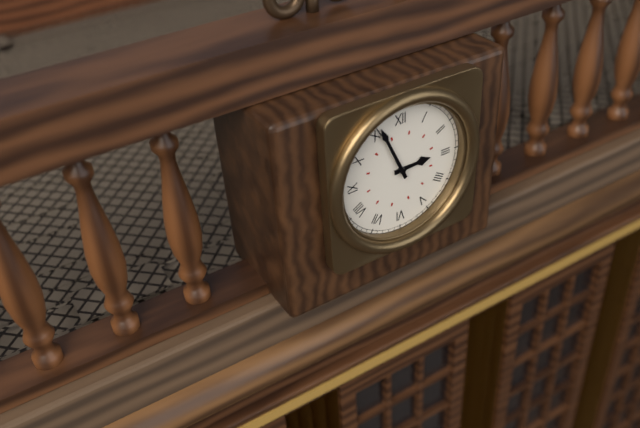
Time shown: {"hour": 2, "minute": 56}
